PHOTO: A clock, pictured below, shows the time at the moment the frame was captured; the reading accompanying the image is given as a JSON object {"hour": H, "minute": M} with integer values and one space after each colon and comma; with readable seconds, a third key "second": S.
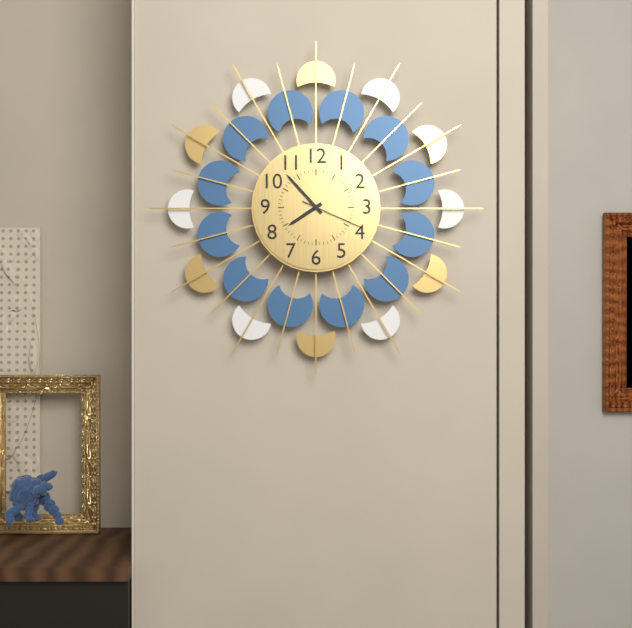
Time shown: {"hour": 7, "minute": 53, "second": 19}
